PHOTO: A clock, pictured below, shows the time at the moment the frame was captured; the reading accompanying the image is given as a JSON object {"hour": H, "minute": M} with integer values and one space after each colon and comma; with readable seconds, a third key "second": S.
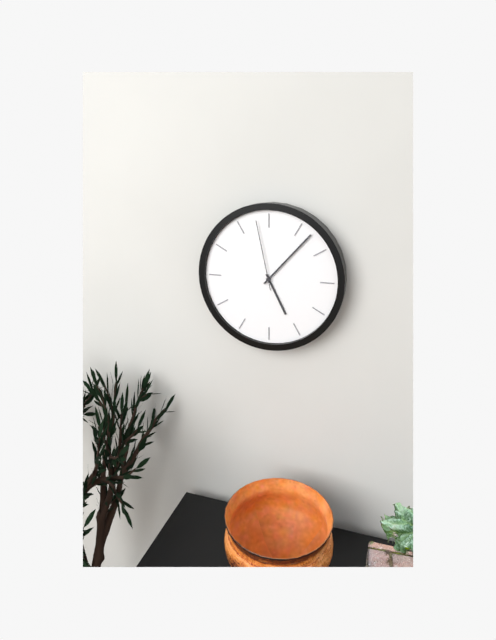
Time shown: {"hour": 5, "minute": 7, "second": 58}
